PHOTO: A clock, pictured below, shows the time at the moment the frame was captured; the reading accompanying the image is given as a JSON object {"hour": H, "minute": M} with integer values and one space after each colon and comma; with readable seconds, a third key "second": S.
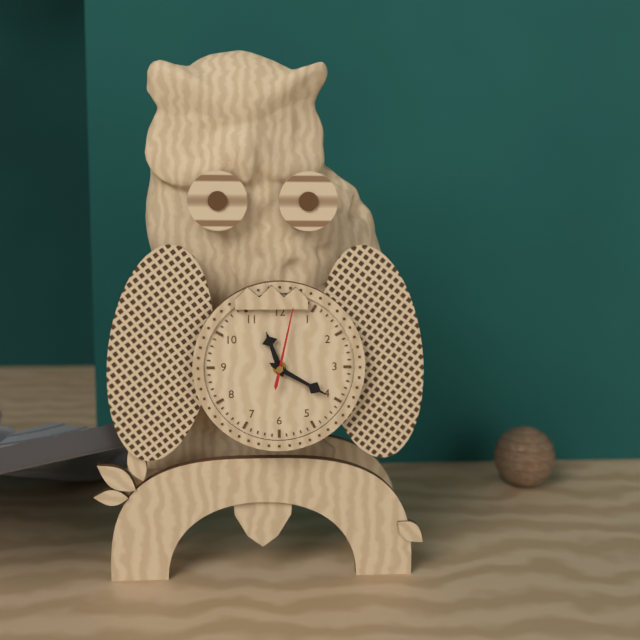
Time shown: {"hour": 11, "minute": 20, "second": 2}
